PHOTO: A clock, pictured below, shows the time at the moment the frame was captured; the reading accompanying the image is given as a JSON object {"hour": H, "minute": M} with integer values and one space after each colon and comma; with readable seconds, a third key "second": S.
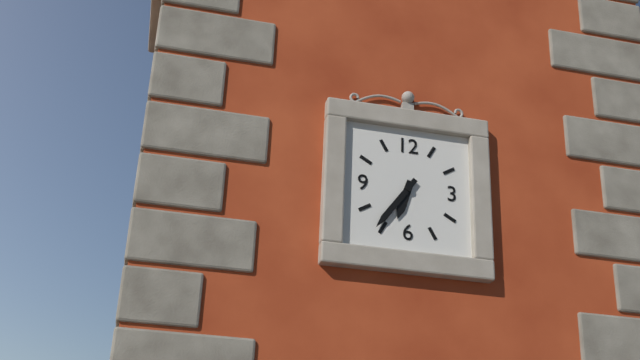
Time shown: {"hour": 6, "minute": 36}
